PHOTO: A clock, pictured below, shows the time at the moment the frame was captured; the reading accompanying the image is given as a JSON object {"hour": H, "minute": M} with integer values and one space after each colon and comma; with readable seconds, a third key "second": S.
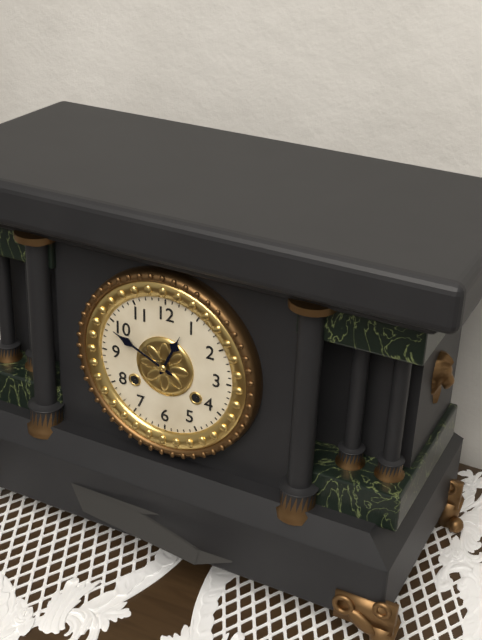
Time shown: {"hour": 12, "minute": 49}
